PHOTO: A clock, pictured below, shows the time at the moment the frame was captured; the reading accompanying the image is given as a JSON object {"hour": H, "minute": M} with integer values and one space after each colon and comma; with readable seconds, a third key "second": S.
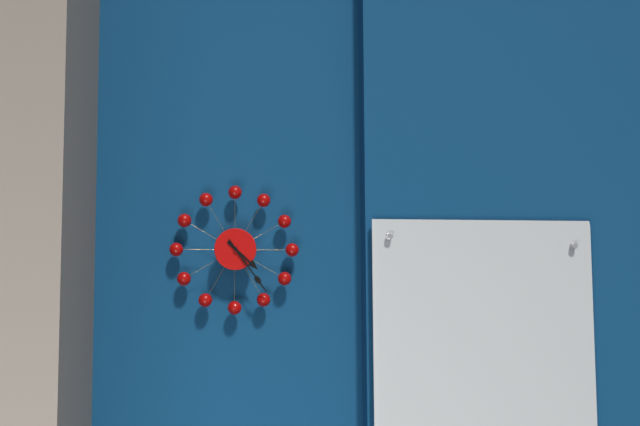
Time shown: {"hour": 4, "minute": 24}
